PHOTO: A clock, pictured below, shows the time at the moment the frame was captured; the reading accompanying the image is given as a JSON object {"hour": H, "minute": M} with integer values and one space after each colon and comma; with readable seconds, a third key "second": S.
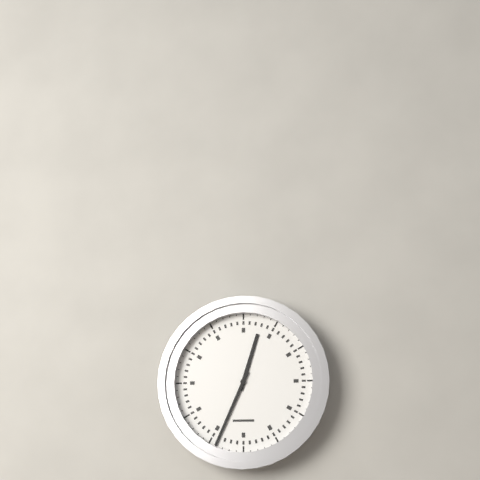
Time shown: {"hour": 12, "minute": 34}
